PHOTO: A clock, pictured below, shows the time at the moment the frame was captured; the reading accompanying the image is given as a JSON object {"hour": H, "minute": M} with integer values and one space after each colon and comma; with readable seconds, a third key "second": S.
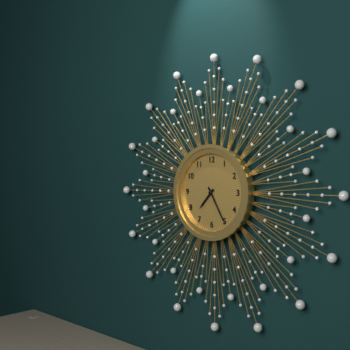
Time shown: {"hour": 7, "minute": 25}
